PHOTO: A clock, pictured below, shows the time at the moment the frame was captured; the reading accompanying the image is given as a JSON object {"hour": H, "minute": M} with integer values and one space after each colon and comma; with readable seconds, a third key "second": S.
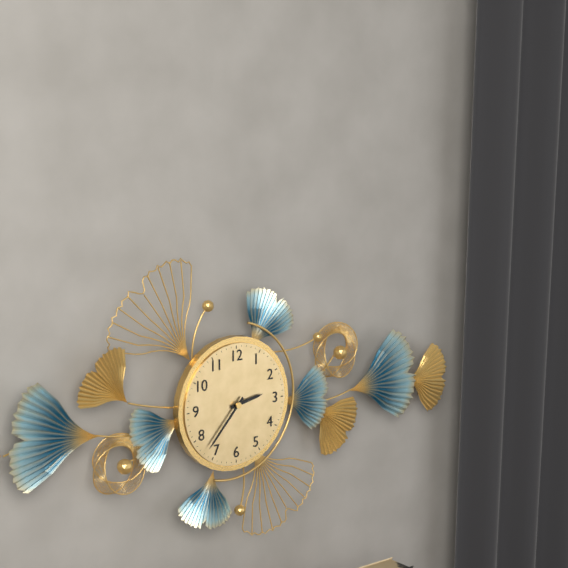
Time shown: {"hour": 2, "minute": 37}
